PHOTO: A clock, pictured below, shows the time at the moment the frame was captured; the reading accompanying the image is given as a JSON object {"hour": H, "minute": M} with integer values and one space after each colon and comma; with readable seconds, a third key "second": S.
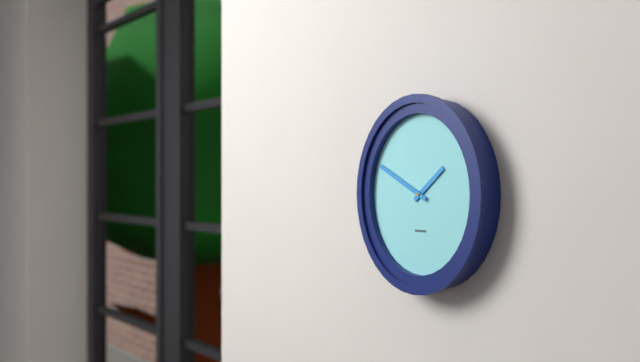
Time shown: {"hour": 1, "minute": 49}
